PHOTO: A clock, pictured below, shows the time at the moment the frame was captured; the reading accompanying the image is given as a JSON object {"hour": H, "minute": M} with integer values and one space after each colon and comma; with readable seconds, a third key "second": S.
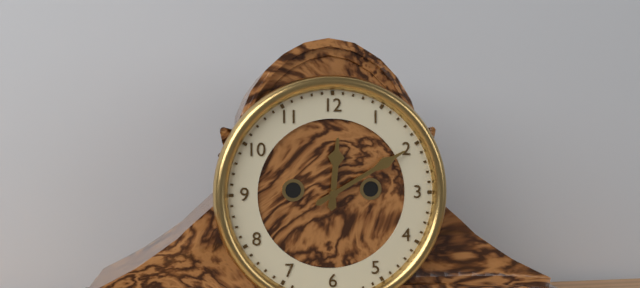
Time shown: {"hour": 12, "minute": 10}
